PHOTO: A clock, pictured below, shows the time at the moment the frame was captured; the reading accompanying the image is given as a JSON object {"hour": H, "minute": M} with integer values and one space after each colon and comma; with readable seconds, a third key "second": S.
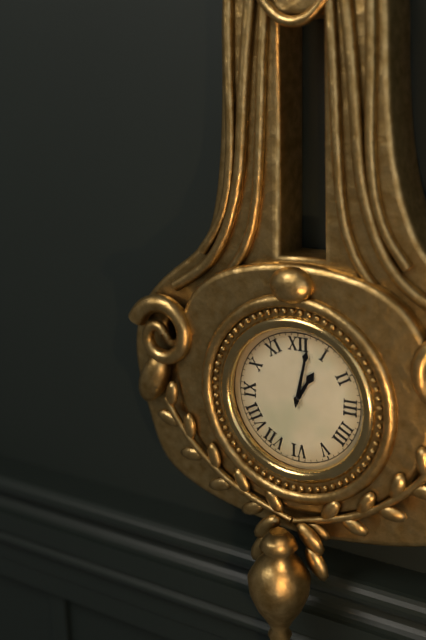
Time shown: {"hour": 1, "minute": 2}
